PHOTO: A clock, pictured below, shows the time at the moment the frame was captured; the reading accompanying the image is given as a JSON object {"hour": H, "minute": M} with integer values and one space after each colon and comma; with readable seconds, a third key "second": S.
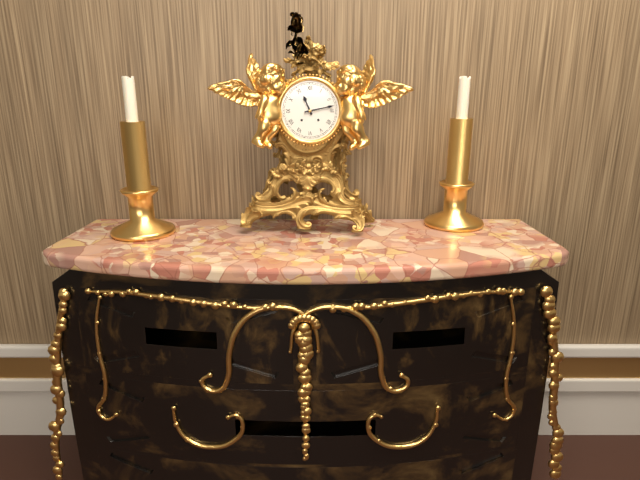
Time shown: {"hour": 11, "minute": 13}
